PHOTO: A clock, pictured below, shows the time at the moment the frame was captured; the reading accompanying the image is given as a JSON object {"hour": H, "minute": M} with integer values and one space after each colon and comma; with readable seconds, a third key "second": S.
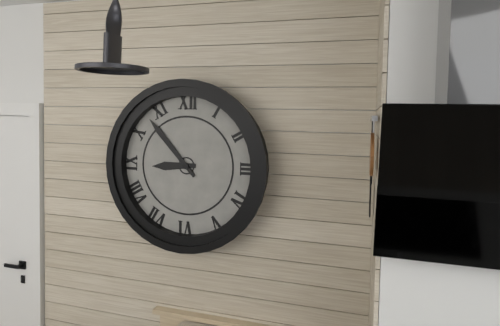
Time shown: {"hour": 8, "minute": 53}
